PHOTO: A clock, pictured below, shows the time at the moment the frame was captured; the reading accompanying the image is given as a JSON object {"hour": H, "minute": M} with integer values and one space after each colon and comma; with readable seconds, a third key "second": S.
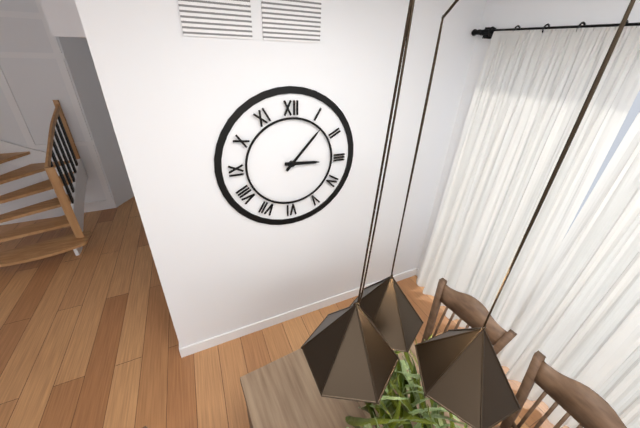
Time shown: {"hour": 3, "minute": 7}
